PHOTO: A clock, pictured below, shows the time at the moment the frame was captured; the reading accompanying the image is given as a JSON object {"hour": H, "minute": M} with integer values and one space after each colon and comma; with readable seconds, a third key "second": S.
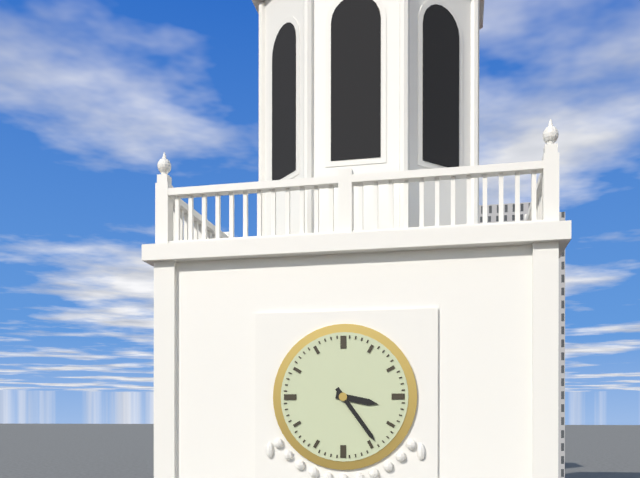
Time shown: {"hour": 3, "minute": 24}
